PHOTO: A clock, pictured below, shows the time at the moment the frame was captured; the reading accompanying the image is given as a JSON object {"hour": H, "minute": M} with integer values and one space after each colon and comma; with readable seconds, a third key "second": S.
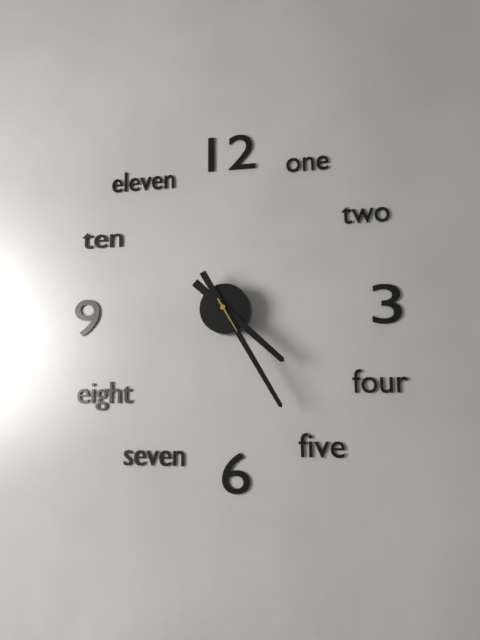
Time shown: {"hour": 4, "minute": 25}
